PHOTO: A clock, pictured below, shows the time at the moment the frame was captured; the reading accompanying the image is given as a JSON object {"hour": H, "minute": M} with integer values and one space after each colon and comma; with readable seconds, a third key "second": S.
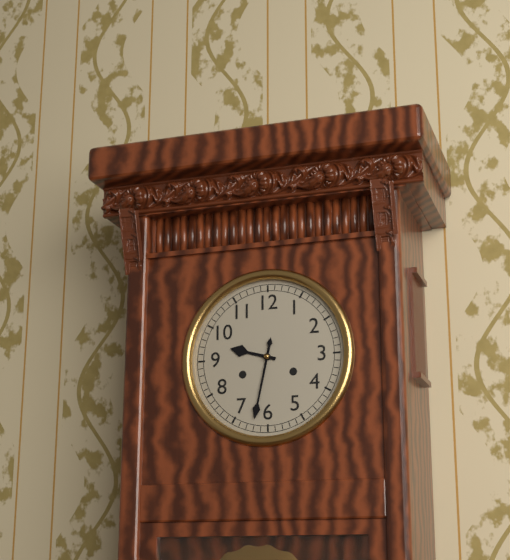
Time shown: {"hour": 9, "minute": 32}
